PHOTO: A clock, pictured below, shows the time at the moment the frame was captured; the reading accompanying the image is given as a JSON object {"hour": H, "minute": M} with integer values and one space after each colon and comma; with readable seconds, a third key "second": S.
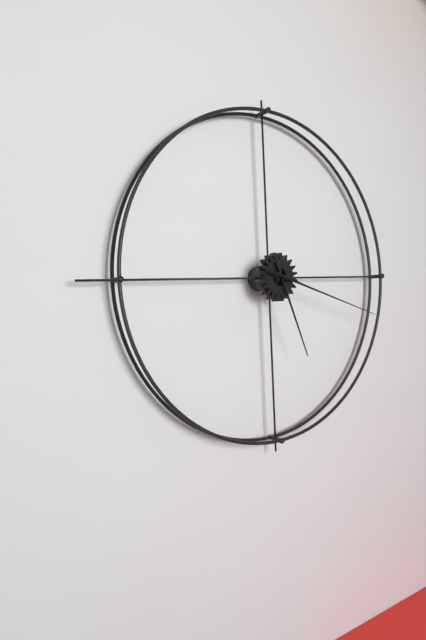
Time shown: {"hour": 5, "minute": 18}
